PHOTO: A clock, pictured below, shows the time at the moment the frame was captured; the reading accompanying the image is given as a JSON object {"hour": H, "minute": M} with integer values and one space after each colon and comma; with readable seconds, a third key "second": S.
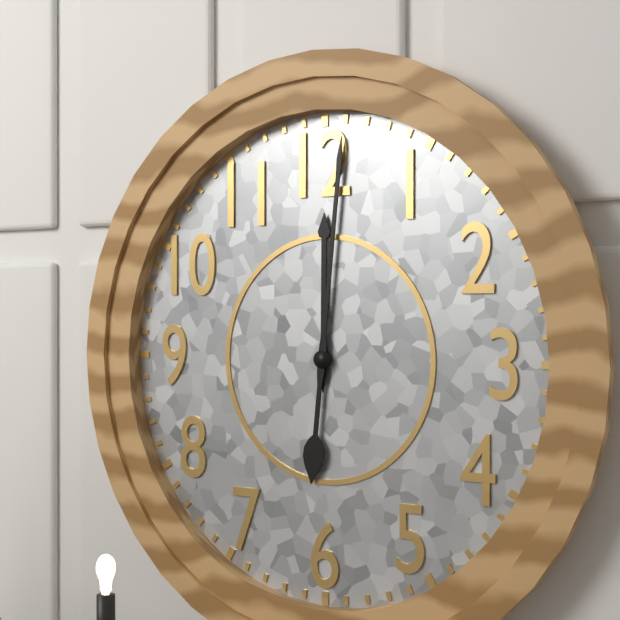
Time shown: {"hour": 12, "minute": 1}
